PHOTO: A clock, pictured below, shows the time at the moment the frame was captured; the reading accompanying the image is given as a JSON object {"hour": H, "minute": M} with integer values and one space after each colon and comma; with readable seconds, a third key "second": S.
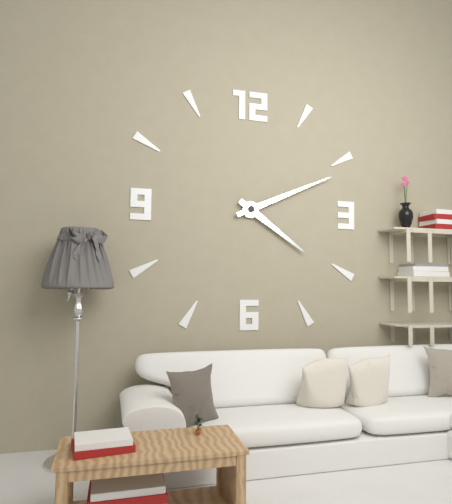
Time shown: {"hour": 4, "minute": 11}
